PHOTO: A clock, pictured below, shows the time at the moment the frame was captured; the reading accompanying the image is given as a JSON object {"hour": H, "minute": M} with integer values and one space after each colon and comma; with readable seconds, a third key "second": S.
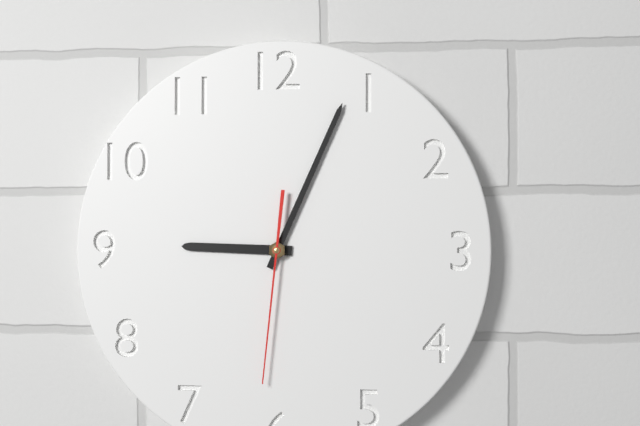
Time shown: {"hour": 9, "minute": 4, "second": 31}
